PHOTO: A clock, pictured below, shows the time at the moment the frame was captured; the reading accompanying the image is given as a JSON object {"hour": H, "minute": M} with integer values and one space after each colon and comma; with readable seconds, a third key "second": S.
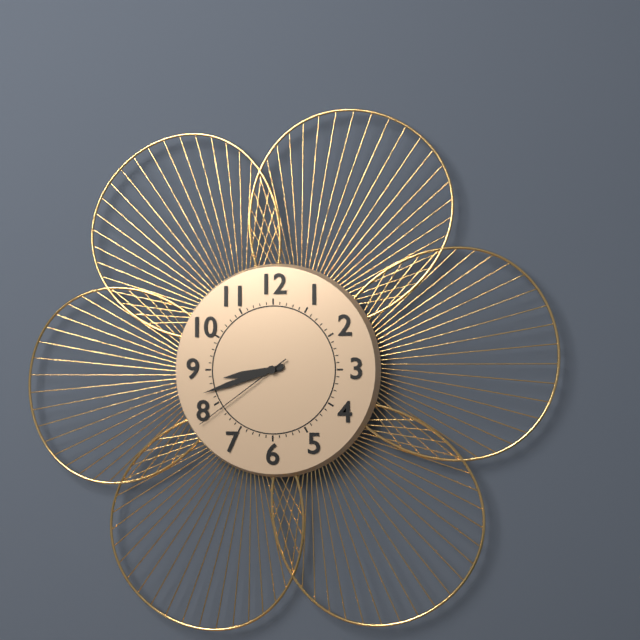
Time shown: {"hour": 8, "minute": 42, "second": 39}
